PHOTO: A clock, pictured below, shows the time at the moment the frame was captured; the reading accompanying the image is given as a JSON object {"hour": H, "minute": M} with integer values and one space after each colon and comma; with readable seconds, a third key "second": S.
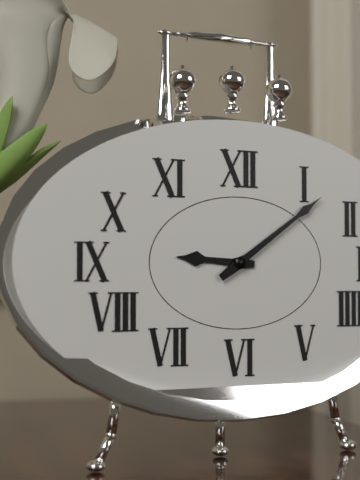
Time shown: {"hour": 9, "minute": 9}
